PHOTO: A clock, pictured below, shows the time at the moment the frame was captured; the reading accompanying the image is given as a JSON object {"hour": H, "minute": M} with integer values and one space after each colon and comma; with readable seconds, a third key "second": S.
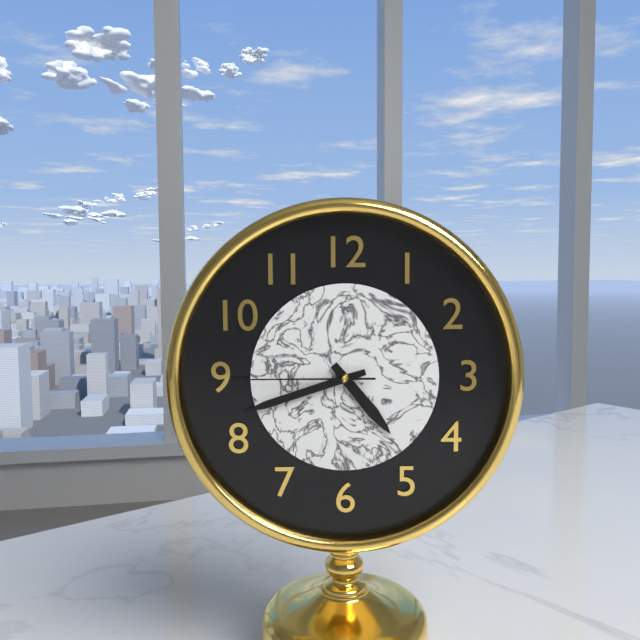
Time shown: {"hour": 4, "minute": 42, "second": 45}
